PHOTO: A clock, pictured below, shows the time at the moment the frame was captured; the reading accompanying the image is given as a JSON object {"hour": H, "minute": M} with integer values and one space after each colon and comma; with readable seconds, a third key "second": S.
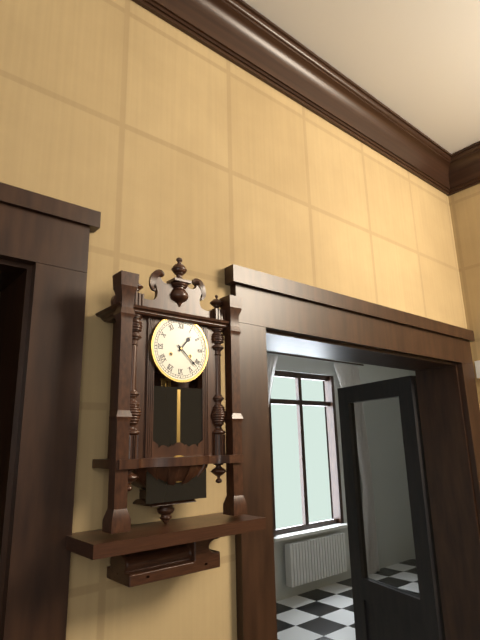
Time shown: {"hour": 1, "minute": 22}
